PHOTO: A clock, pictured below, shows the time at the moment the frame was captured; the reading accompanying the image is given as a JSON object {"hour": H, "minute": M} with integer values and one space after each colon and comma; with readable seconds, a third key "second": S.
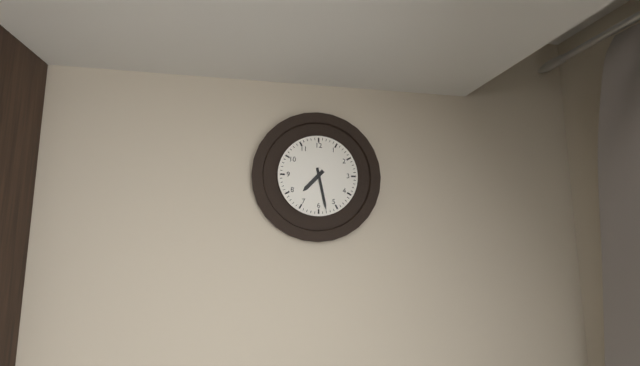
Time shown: {"hour": 7, "minute": 28}
